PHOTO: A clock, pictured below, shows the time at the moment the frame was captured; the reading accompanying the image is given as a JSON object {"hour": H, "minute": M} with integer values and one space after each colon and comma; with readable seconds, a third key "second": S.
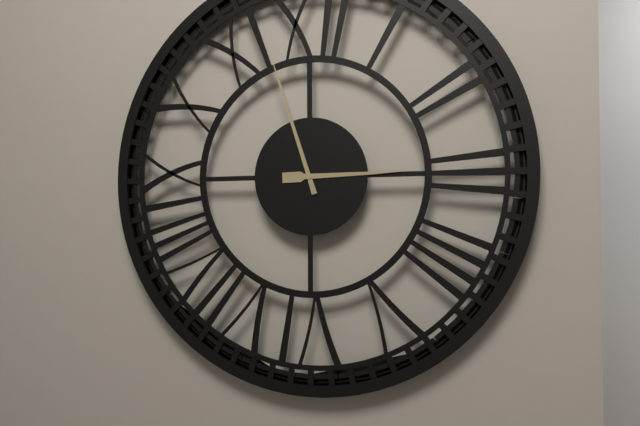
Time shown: {"hour": 2, "minute": 57}
